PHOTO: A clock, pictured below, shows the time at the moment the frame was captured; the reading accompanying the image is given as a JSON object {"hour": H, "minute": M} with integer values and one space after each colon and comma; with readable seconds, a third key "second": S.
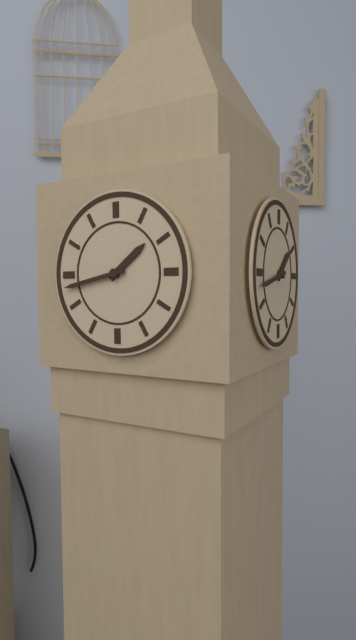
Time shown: {"hour": 1, "minute": 43}
